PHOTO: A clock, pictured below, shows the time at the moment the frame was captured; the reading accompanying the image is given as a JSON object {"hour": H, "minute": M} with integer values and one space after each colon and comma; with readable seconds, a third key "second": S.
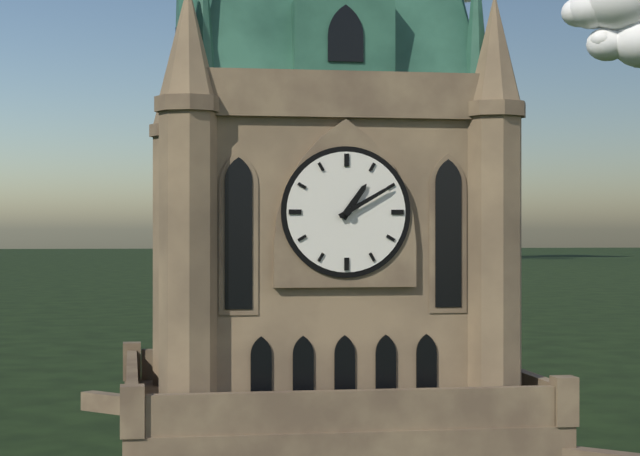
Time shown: {"hour": 1, "minute": 10}
